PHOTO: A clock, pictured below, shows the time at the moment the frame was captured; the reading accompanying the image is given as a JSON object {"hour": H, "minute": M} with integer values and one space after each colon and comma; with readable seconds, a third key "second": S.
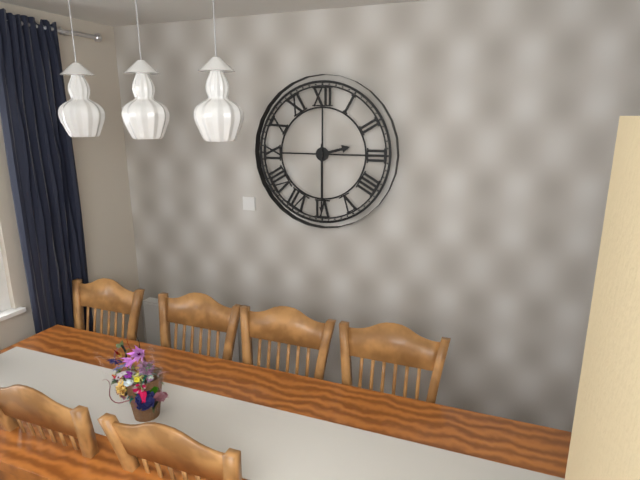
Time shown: {"hour": 2, "minute": 30}
